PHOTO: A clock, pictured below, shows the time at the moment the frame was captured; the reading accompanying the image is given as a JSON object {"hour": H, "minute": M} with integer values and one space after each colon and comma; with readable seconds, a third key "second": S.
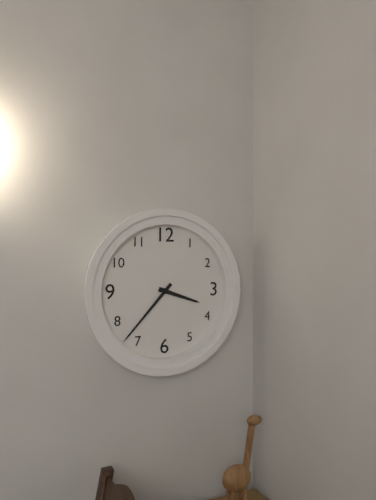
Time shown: {"hour": 3, "minute": 37}
